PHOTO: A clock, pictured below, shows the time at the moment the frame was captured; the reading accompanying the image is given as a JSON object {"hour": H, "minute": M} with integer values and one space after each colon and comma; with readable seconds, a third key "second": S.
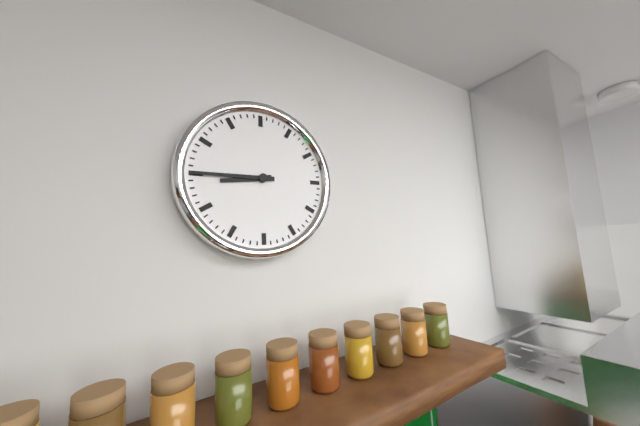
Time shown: {"hour": 8, "minute": 45}
